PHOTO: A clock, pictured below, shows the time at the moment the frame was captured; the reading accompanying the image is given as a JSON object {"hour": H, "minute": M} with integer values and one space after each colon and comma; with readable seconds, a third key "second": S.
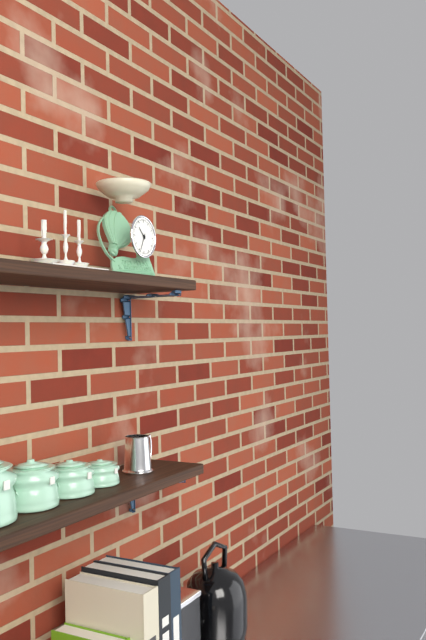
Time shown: {"hour": 10, "minute": 34}
